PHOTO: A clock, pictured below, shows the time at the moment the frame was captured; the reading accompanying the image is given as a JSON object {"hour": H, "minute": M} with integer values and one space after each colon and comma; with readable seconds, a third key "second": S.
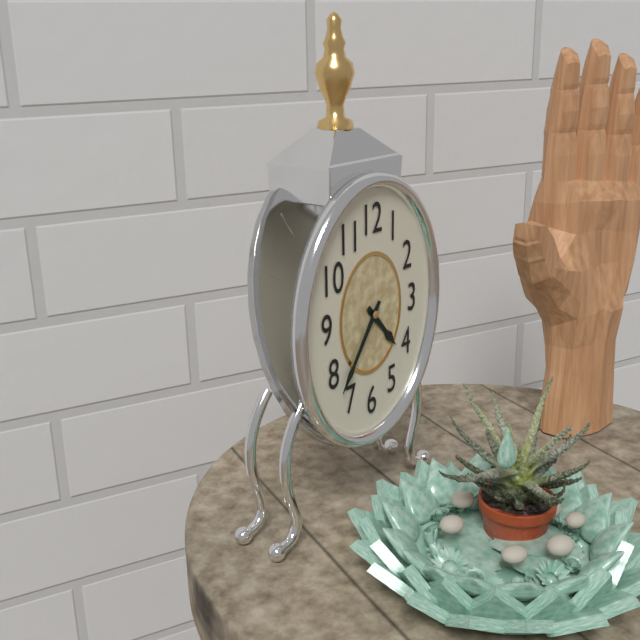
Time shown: {"hour": 4, "minute": 36}
